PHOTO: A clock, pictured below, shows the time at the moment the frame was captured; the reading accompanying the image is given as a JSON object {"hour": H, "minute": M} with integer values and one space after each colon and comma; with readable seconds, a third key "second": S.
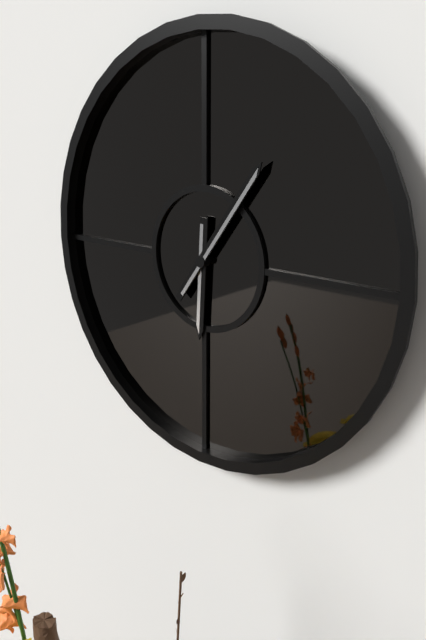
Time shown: {"hour": 6, "minute": 6}
